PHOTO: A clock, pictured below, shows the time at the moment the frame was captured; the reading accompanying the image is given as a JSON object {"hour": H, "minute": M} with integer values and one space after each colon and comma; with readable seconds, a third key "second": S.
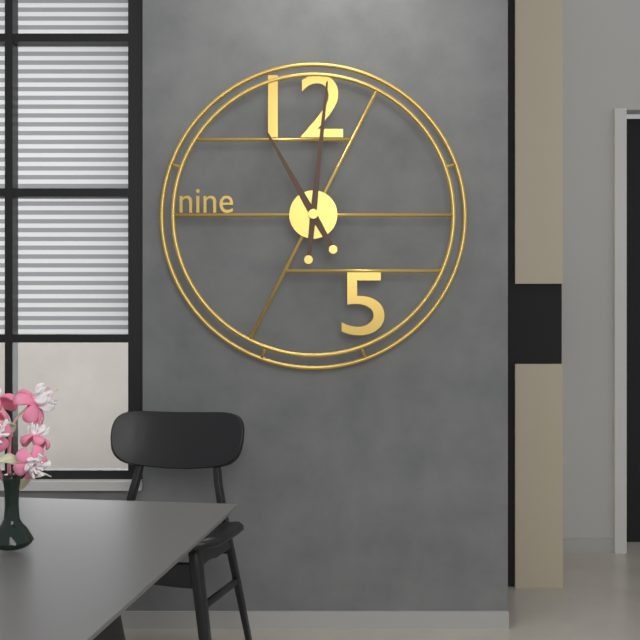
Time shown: {"hour": 11, "minute": 1}
